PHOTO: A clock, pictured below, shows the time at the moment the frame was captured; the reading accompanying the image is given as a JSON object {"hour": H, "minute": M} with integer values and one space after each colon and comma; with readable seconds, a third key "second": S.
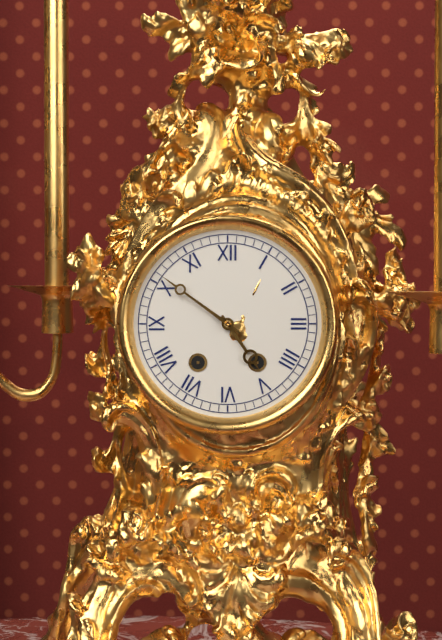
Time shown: {"hour": 4, "minute": 51}
